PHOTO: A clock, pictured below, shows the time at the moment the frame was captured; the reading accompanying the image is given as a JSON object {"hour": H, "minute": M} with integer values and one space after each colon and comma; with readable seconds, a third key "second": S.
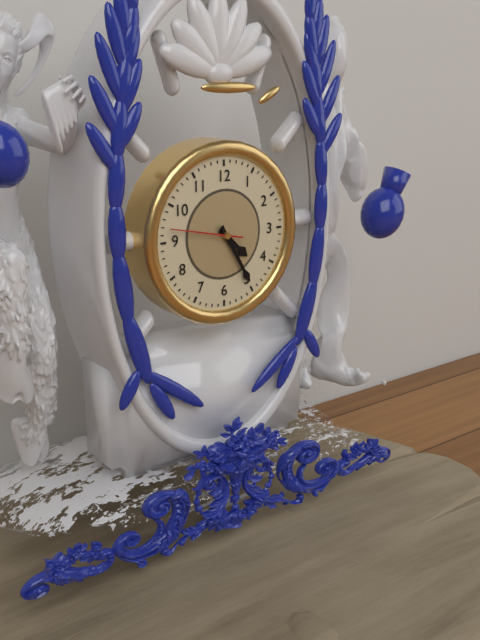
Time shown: {"hour": 4, "minute": 25, "second": 47}
